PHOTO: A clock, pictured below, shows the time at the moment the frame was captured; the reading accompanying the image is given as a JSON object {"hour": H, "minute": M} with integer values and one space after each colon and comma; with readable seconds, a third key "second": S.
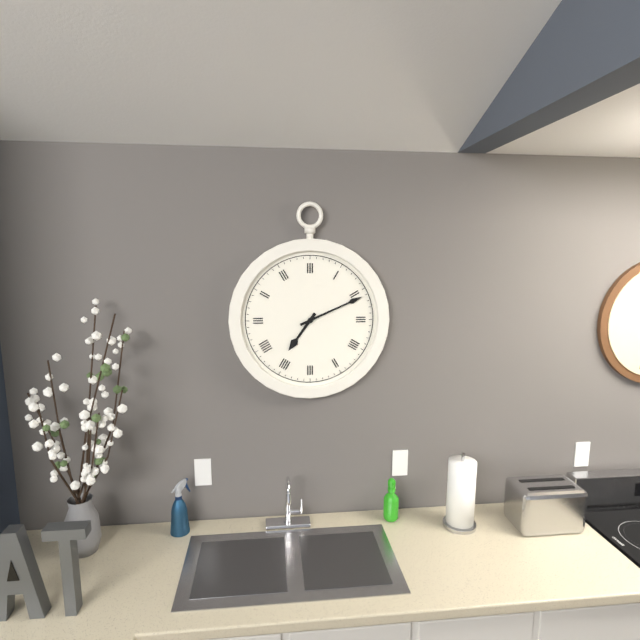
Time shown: {"hour": 7, "minute": 11}
